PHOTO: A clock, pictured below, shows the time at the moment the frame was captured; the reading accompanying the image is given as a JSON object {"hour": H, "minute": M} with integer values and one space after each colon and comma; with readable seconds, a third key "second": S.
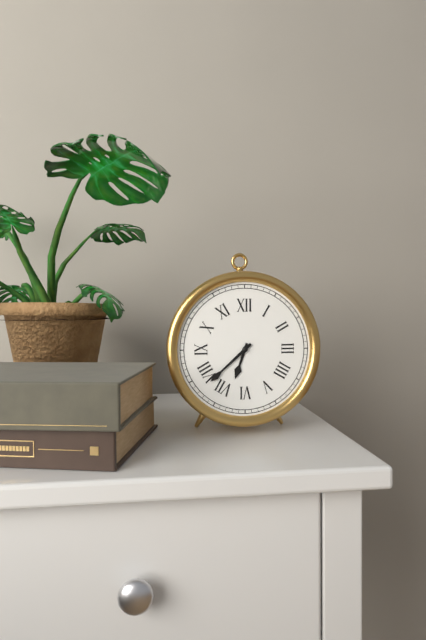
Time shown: {"hour": 6, "minute": 38}
